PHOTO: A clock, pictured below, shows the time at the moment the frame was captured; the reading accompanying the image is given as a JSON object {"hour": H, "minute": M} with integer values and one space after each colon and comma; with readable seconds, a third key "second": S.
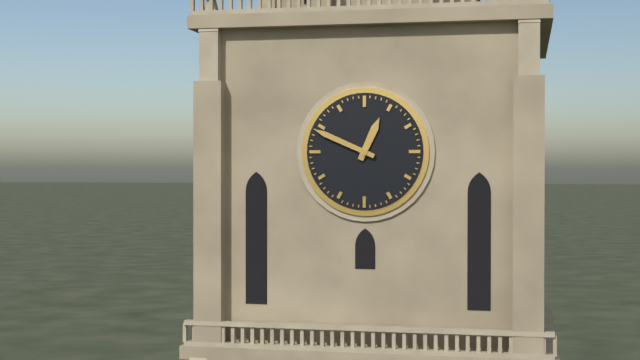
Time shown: {"hour": 12, "minute": 49}
